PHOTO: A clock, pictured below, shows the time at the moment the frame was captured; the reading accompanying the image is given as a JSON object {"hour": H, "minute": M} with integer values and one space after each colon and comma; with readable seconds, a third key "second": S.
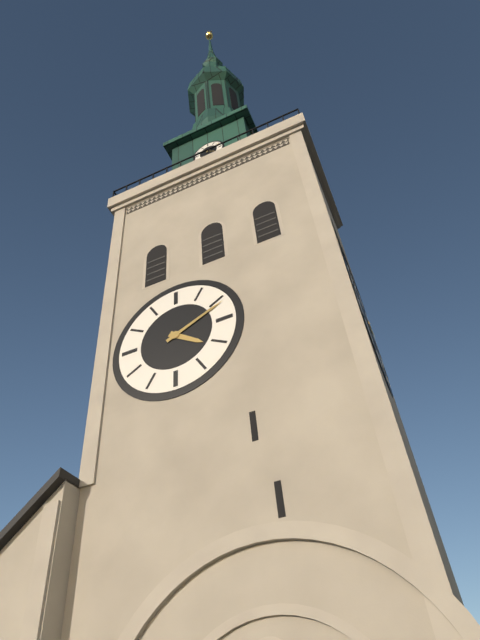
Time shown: {"hour": 4, "minute": 11}
